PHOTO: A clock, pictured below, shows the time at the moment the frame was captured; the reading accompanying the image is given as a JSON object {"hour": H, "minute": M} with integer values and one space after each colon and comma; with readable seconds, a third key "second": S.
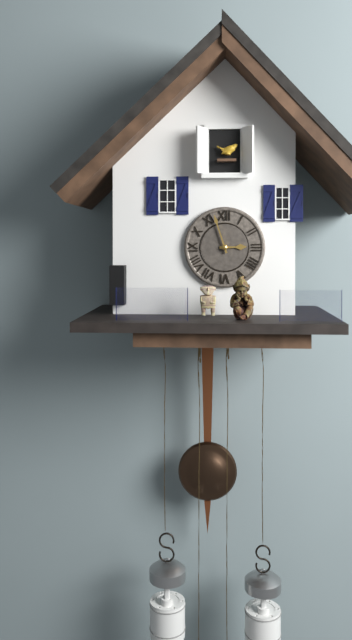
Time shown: {"hour": 2, "minute": 57}
